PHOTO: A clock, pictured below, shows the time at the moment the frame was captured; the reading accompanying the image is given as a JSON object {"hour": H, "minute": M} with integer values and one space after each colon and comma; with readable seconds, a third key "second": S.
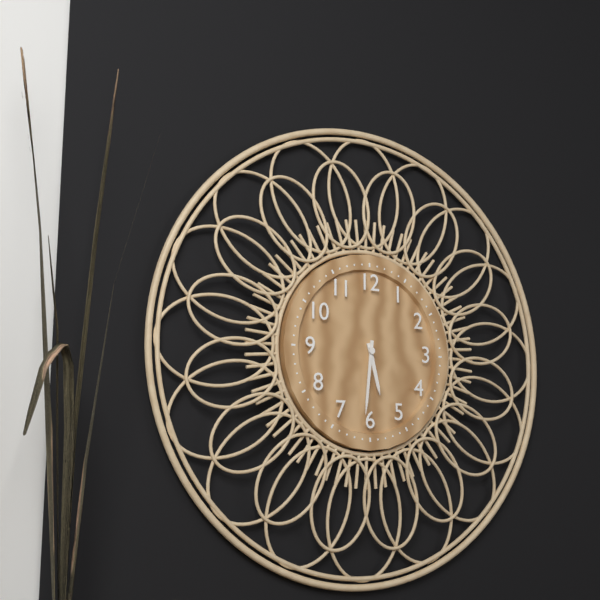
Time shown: {"hour": 5, "minute": 31}
